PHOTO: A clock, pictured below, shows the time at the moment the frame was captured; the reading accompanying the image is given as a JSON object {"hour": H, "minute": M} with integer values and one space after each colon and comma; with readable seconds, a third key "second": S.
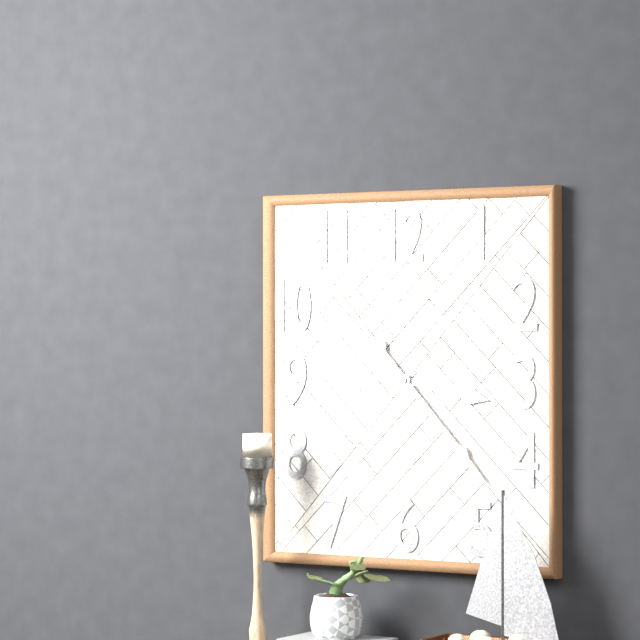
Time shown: {"hour": 3, "minute": 23}
